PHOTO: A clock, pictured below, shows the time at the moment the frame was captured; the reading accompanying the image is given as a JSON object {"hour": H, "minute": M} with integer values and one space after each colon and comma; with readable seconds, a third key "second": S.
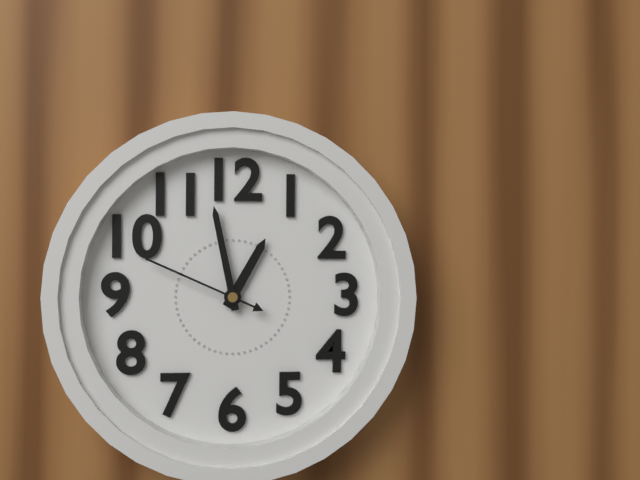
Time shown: {"hour": 12, "minute": 58, "second": 49}
